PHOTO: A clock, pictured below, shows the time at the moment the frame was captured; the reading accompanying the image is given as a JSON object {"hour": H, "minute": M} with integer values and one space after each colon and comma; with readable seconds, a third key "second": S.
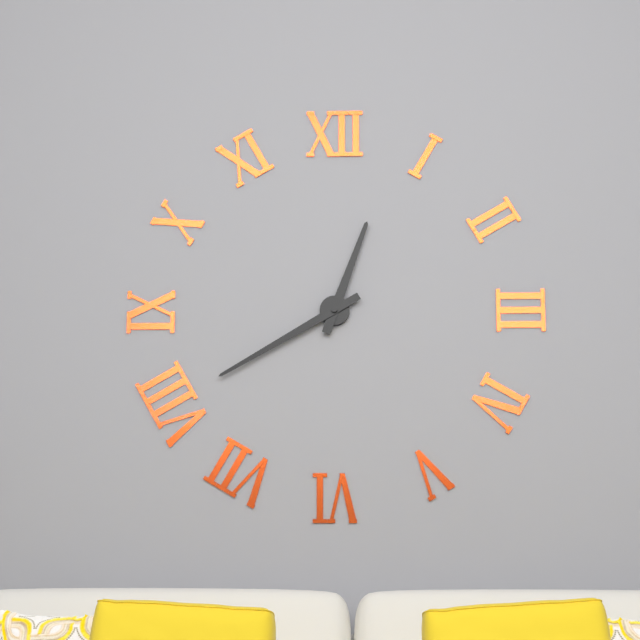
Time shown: {"hour": 12, "minute": 40}
